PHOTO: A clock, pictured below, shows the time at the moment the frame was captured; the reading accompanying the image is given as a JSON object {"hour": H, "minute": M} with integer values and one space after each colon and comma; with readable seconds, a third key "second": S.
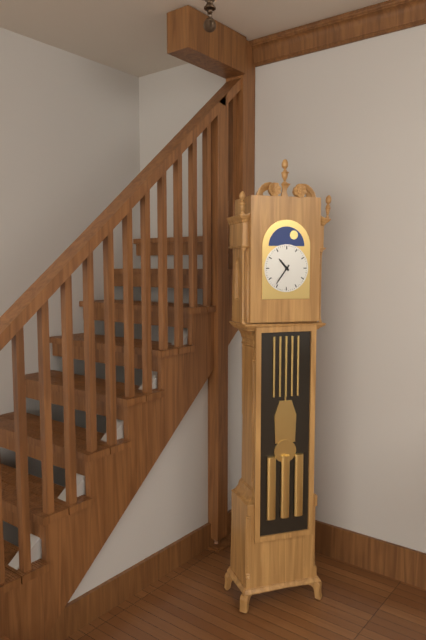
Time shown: {"hour": 10, "minute": 36}
